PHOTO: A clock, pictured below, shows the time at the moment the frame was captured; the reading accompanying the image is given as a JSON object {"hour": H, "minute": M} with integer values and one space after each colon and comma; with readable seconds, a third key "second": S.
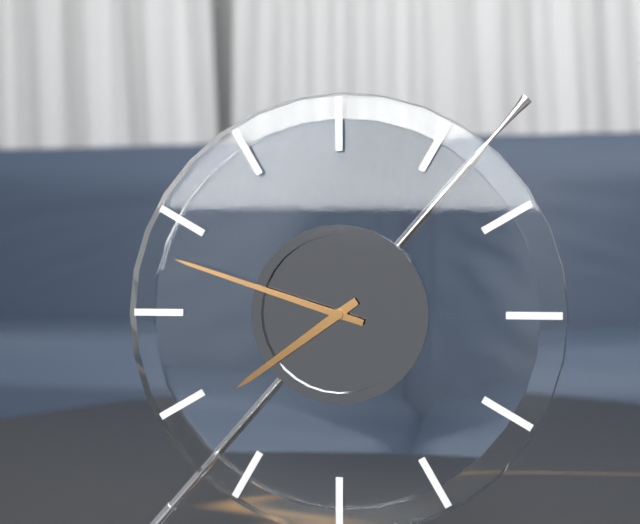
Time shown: {"hour": 7, "minute": 48}
